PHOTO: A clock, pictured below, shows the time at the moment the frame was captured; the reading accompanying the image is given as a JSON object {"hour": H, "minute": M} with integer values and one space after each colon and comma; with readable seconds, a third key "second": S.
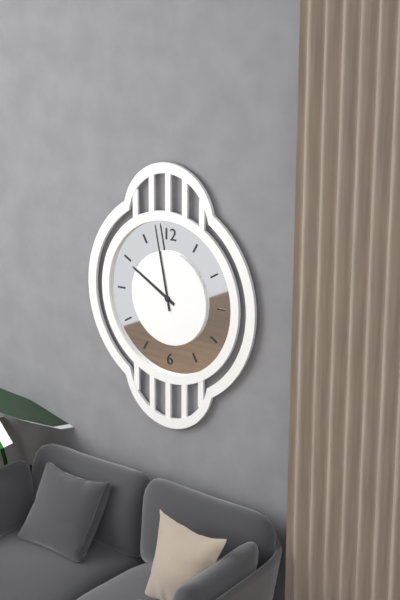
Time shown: {"hour": 9, "minute": 58}
